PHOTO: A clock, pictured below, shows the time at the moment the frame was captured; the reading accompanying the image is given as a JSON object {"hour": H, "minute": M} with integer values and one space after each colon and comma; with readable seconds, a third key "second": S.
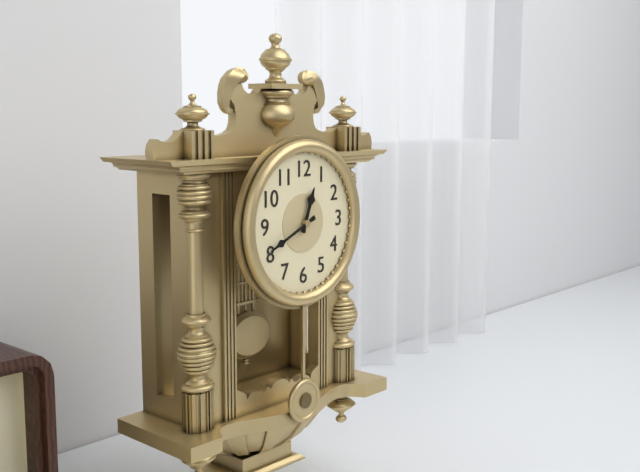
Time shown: {"hour": 12, "minute": 41}
